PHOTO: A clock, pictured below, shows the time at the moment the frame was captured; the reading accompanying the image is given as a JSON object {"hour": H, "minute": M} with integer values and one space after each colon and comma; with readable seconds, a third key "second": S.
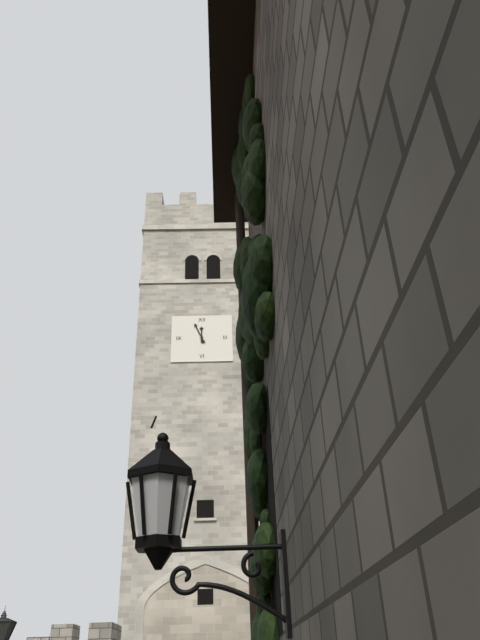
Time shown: {"hour": 11, "minute": 56}
